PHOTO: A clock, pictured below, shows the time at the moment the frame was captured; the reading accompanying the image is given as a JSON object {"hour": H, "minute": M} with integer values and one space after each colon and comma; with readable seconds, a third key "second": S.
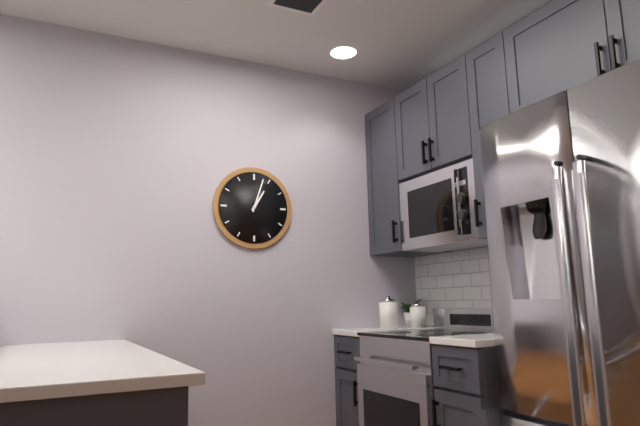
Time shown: {"hour": 1, "minute": 3}
